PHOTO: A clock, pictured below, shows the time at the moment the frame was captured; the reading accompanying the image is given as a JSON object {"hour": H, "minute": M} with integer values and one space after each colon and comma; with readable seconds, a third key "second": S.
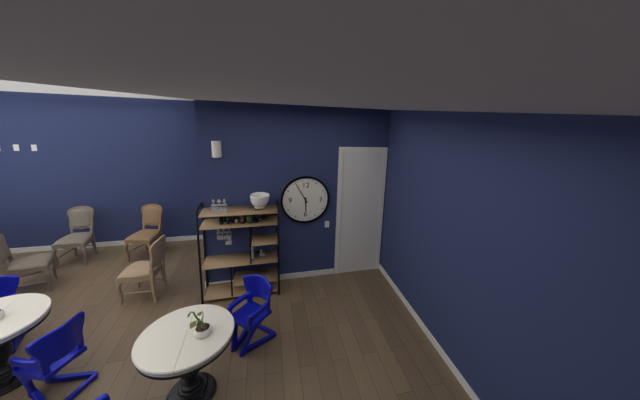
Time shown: {"hour": 5, "minute": 55}
